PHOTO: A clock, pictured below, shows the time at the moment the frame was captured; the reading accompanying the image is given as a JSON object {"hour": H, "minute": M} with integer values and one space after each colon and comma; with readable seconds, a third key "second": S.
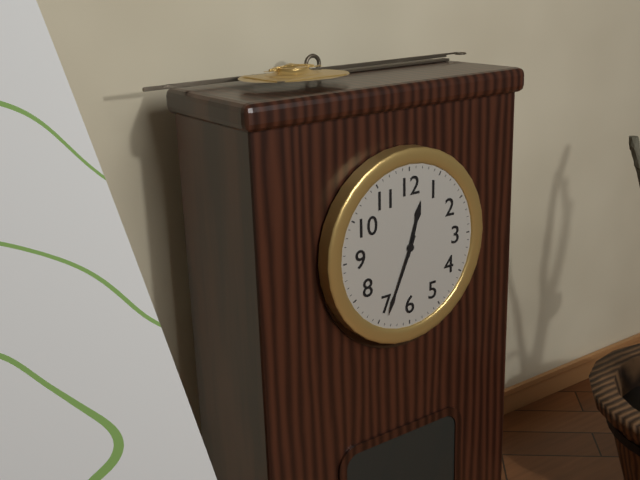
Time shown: {"hour": 12, "minute": 34}
